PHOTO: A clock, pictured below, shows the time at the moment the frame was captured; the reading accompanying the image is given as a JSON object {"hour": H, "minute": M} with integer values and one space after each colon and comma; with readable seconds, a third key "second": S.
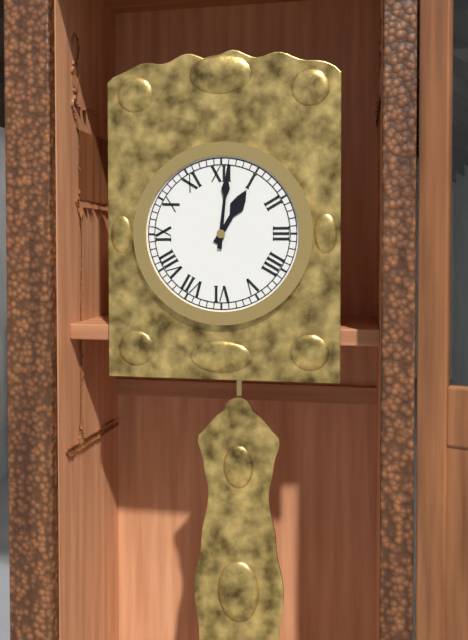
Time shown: {"hour": 1, "minute": 1}
